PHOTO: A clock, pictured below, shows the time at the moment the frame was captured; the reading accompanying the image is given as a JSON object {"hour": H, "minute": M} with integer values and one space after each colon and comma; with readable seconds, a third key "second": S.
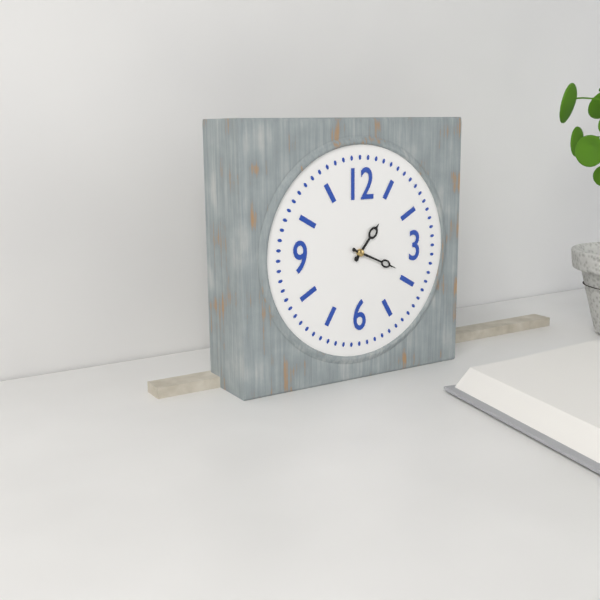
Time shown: {"hour": 1, "minute": 19}
